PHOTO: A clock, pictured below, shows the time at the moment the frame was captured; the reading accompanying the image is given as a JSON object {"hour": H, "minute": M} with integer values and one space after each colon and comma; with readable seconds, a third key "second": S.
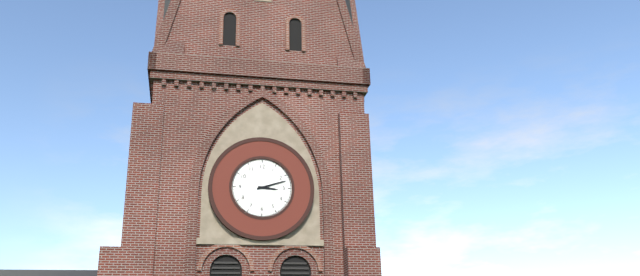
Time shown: {"hour": 3, "minute": 12}
